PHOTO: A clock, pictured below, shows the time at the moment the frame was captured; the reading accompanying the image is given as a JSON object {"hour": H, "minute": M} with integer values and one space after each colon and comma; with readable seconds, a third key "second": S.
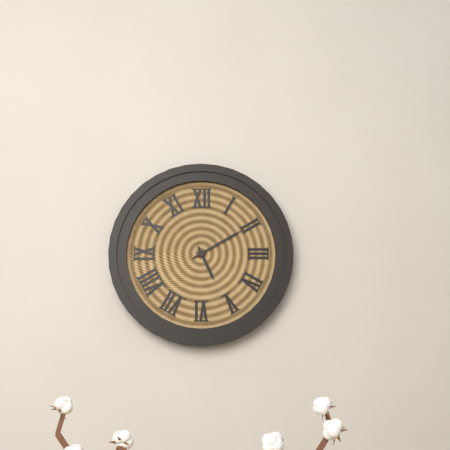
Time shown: {"hour": 5, "minute": 10}
